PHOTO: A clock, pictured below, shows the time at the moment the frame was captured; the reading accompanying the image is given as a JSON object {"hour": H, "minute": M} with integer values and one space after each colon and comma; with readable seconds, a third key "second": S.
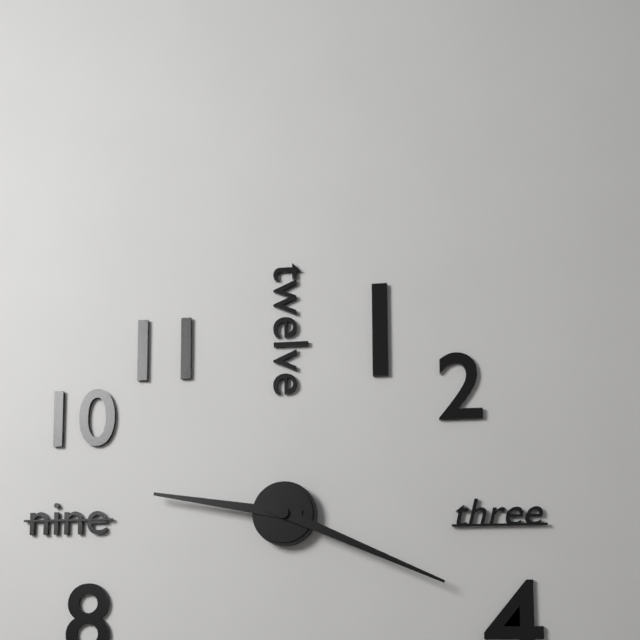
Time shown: {"hour": 9, "minute": 19}
